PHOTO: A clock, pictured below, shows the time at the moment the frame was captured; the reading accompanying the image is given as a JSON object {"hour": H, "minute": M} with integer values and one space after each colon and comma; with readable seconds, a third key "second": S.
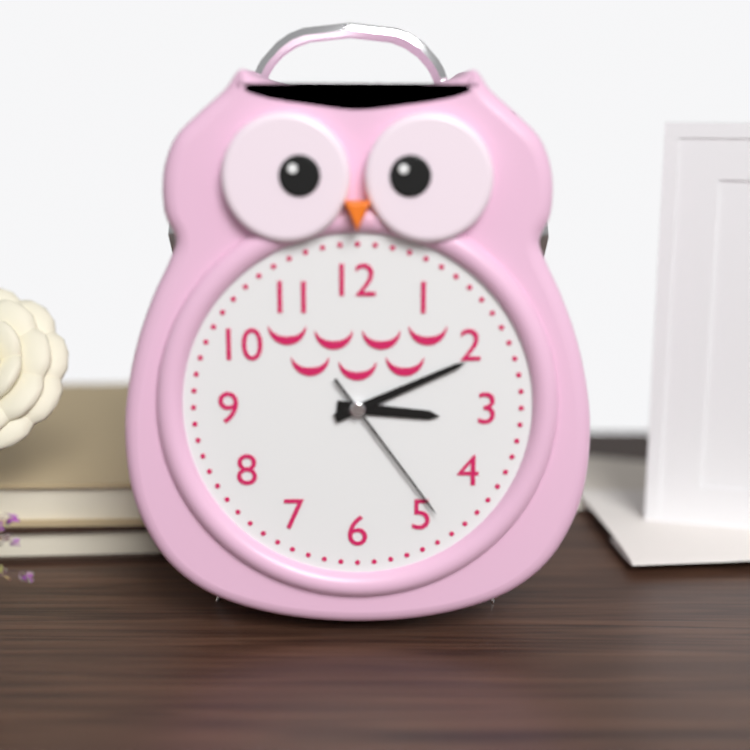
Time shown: {"hour": 3, "minute": 11, "second": 24}
